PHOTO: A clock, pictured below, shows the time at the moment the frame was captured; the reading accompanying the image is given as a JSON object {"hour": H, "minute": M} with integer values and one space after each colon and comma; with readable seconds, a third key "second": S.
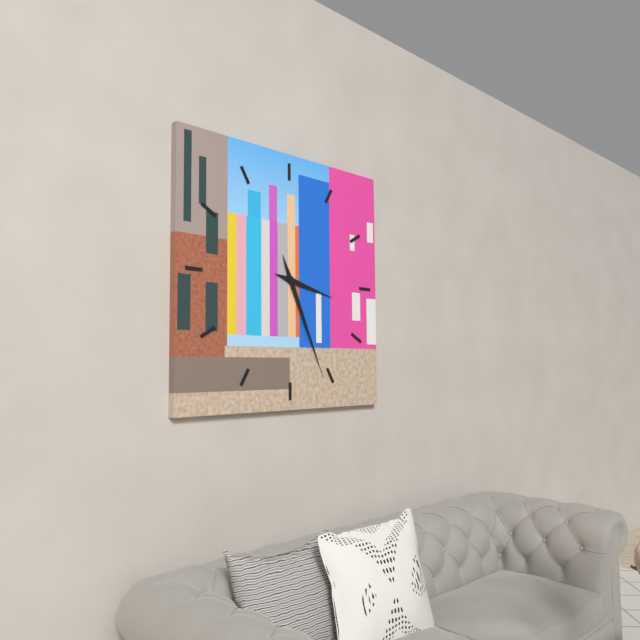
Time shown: {"hour": 3, "minute": 26}
